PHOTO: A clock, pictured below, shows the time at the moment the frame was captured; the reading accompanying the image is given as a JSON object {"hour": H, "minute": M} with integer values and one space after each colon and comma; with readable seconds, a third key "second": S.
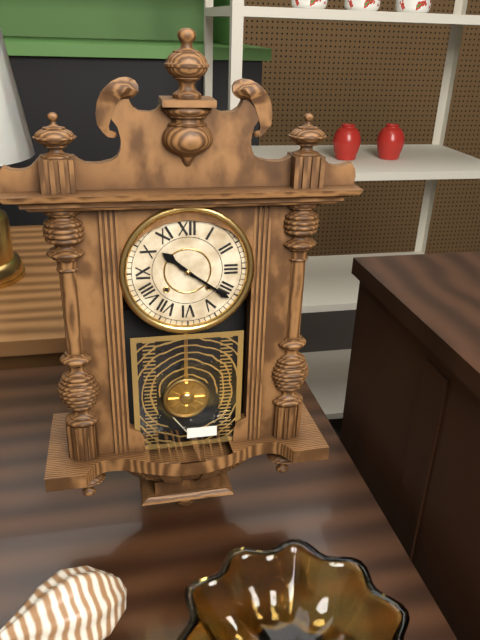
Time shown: {"hour": 10, "minute": 21}
